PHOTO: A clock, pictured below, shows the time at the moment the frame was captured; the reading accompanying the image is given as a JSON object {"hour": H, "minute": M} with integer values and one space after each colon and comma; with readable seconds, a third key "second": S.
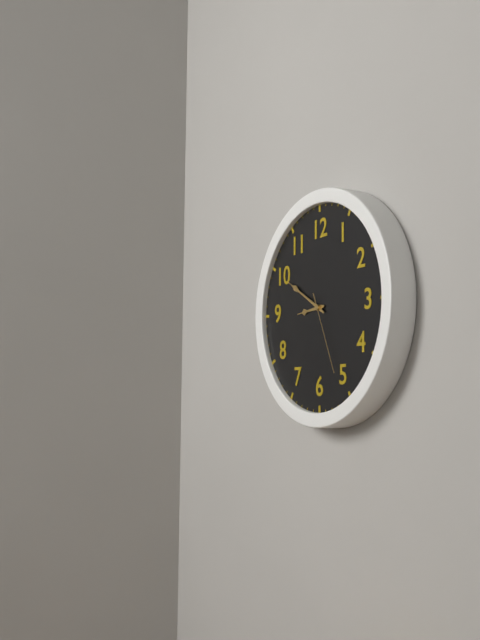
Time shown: {"hour": 8, "minute": 50, "second": 26}
